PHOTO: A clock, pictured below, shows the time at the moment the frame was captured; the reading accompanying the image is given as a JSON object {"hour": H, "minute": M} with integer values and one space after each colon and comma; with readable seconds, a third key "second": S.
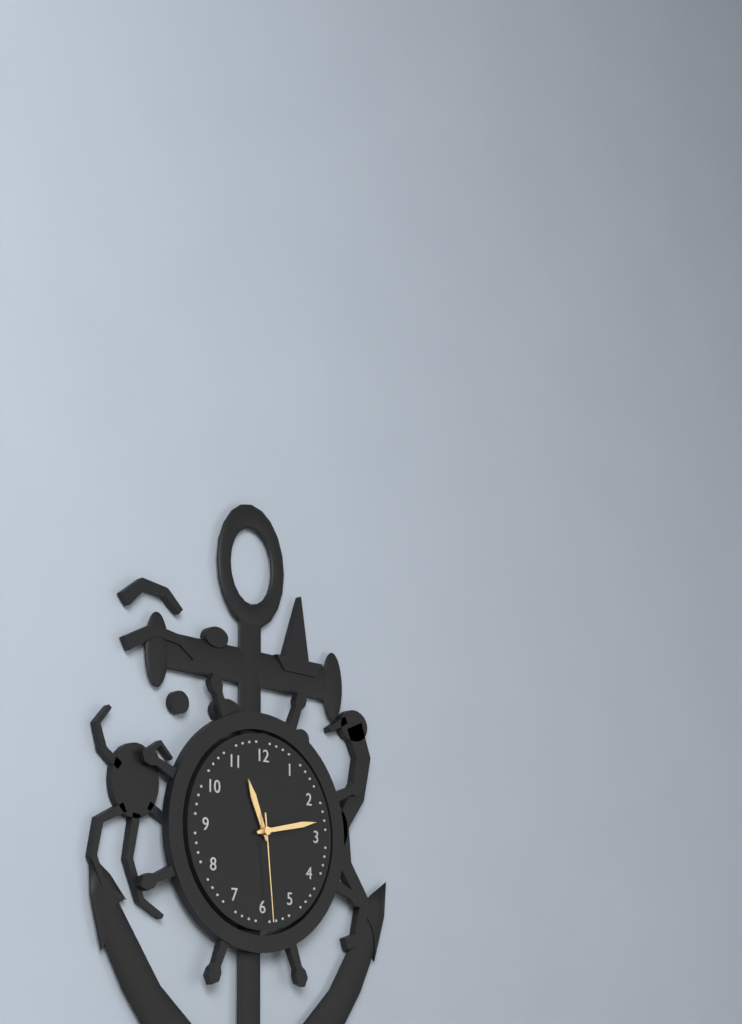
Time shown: {"hour": 11, "minute": 13, "second": 29}
